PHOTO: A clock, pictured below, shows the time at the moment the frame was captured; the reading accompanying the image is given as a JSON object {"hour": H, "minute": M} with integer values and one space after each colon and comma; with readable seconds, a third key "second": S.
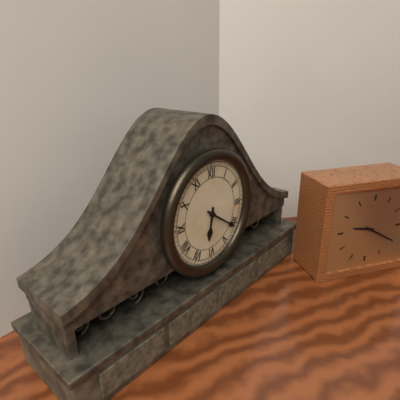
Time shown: {"hour": 6, "minute": 21}
